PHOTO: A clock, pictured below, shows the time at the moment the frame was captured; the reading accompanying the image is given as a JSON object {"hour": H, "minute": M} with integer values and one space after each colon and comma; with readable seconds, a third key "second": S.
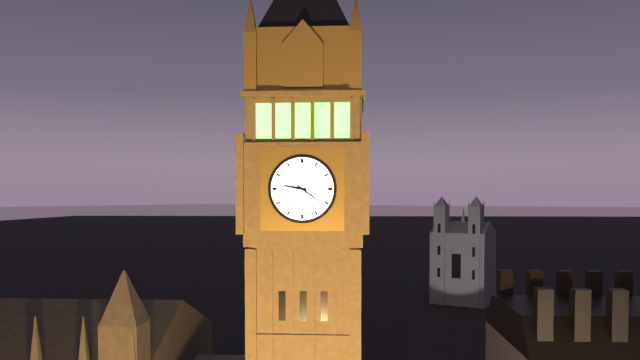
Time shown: {"hour": 9, "minute": 21}
